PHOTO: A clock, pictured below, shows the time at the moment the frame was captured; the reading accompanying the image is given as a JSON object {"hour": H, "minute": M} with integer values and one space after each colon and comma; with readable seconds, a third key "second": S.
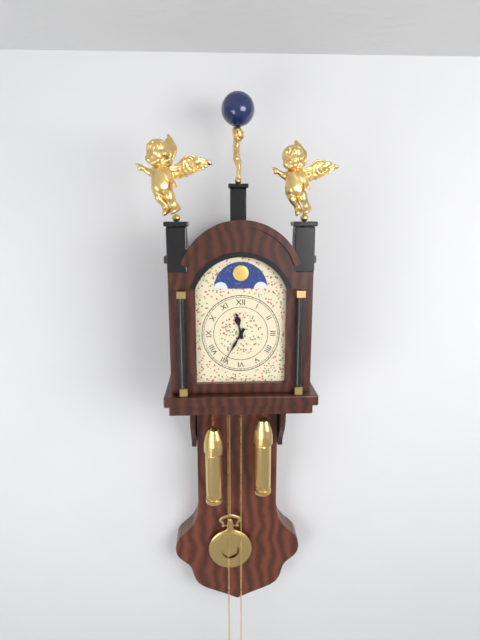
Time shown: {"hour": 11, "minute": 35}
